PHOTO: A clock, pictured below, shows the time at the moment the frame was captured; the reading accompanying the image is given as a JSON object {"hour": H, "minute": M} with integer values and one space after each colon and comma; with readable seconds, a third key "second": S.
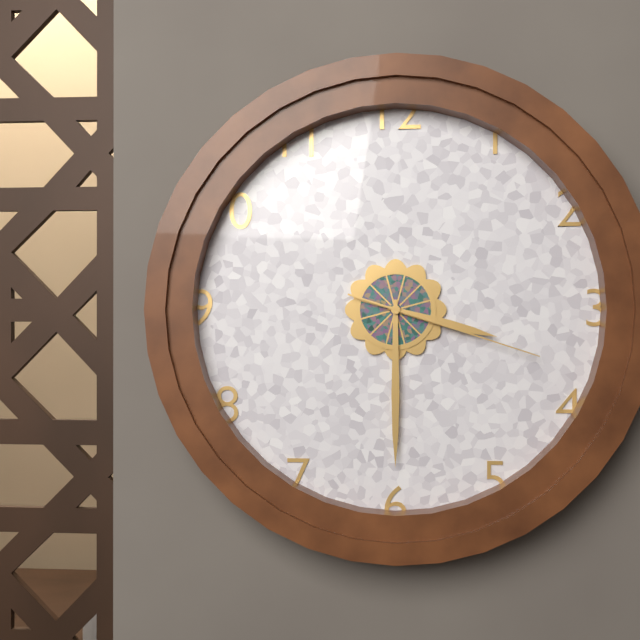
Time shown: {"hour": 3, "minute": 30, "second": 18}
